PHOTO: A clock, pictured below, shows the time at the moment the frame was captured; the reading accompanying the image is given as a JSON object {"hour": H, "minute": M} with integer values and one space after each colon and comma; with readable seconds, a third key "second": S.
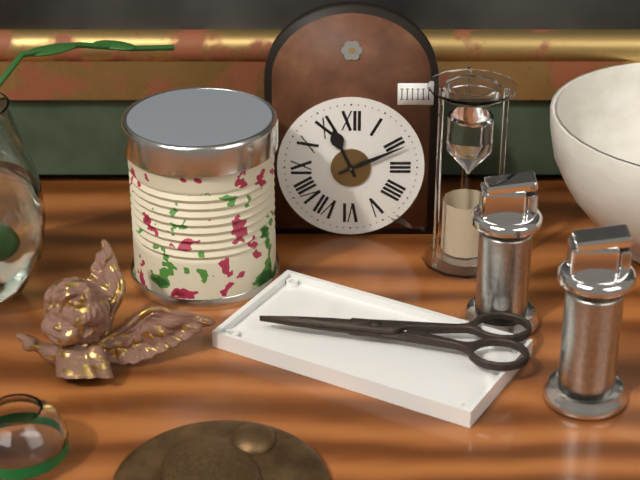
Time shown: {"hour": 11, "minute": 11}
